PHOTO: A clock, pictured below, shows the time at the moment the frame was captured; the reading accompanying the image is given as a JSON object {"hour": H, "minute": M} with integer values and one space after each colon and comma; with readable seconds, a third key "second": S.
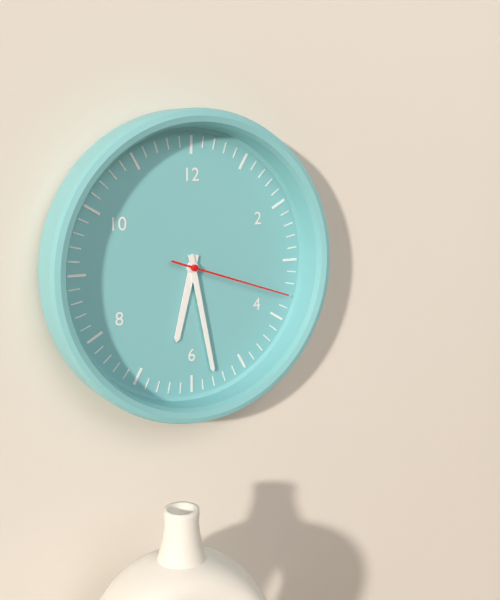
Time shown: {"hour": 6, "minute": 28, "second": 18}
